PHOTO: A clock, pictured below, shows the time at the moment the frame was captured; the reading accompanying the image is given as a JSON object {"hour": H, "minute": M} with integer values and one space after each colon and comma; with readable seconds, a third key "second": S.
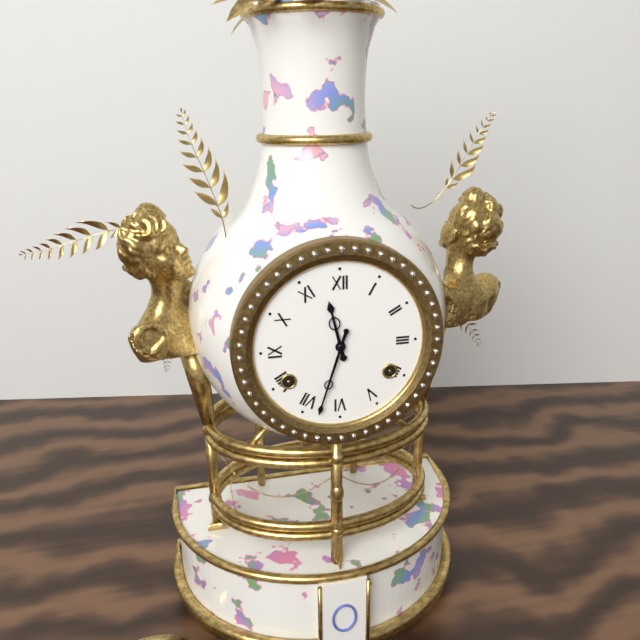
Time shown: {"hour": 11, "minute": 33}
